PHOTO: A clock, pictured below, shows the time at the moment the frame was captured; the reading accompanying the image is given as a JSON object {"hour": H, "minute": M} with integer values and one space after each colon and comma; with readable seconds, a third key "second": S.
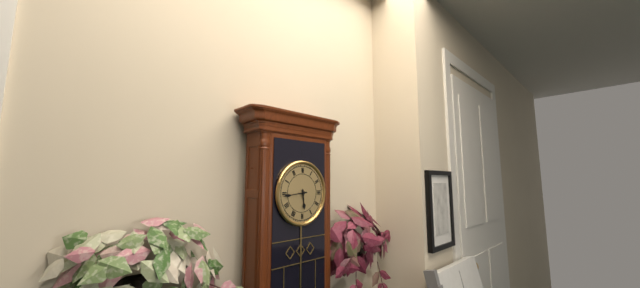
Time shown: {"hour": 5, "minute": 44}
